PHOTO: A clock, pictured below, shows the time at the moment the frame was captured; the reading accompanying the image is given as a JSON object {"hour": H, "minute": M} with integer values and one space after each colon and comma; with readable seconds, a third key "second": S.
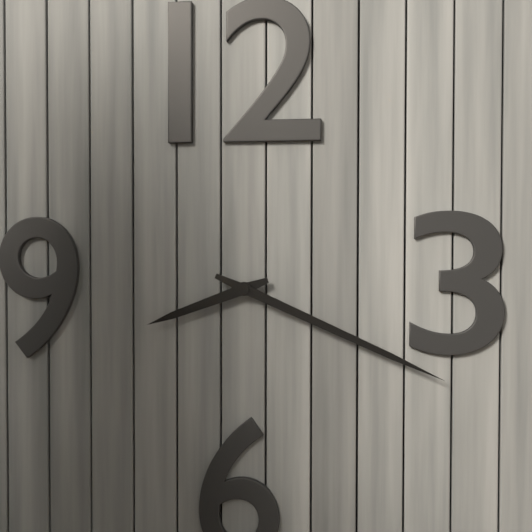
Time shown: {"hour": 8, "minute": 19}
